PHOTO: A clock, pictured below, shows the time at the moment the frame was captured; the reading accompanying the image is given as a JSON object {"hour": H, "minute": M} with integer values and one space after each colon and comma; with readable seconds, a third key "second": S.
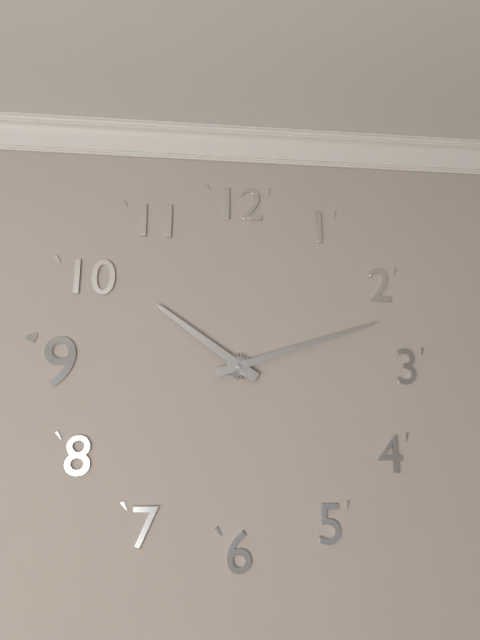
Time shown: {"hour": 10, "minute": 12}
